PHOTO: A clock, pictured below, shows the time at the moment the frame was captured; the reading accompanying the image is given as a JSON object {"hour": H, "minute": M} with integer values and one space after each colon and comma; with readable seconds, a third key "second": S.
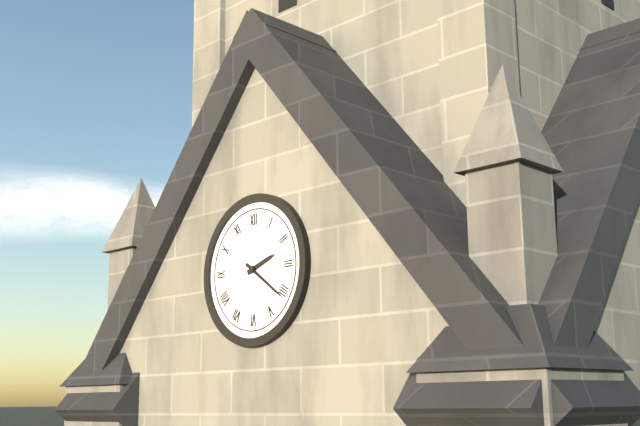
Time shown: {"hour": 2, "minute": 21}
